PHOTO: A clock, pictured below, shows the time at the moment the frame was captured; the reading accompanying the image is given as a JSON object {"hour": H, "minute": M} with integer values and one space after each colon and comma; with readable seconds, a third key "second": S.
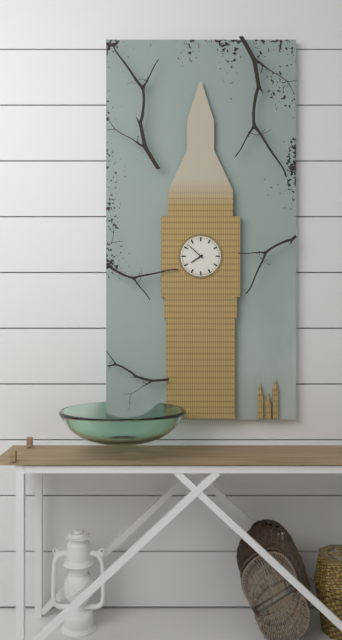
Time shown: {"hour": 7, "minute": 52}
